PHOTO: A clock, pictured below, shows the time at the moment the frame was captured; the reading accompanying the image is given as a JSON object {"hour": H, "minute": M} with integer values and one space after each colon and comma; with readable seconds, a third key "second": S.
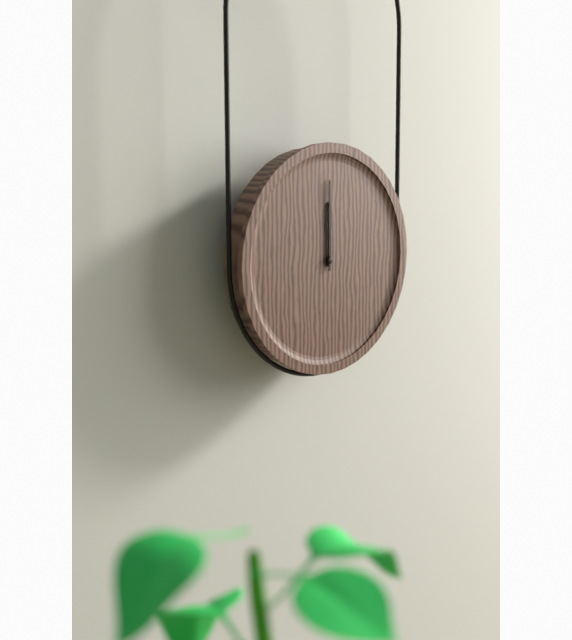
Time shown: {"hour": 12, "minute": 0}
